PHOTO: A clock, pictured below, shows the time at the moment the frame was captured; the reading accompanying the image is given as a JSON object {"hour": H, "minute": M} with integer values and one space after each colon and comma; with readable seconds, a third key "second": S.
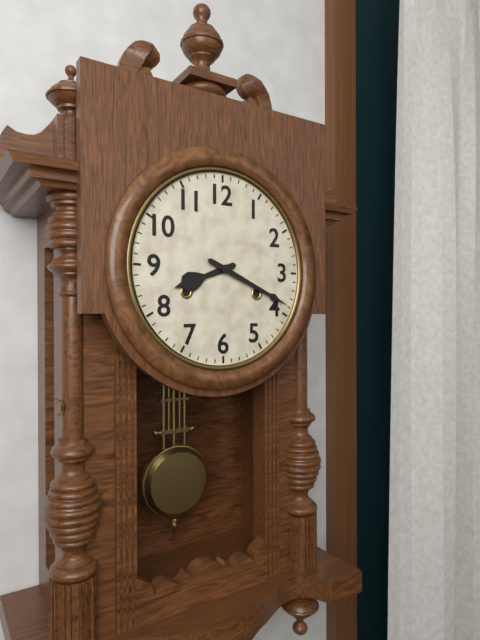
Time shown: {"hour": 8, "minute": 19}
